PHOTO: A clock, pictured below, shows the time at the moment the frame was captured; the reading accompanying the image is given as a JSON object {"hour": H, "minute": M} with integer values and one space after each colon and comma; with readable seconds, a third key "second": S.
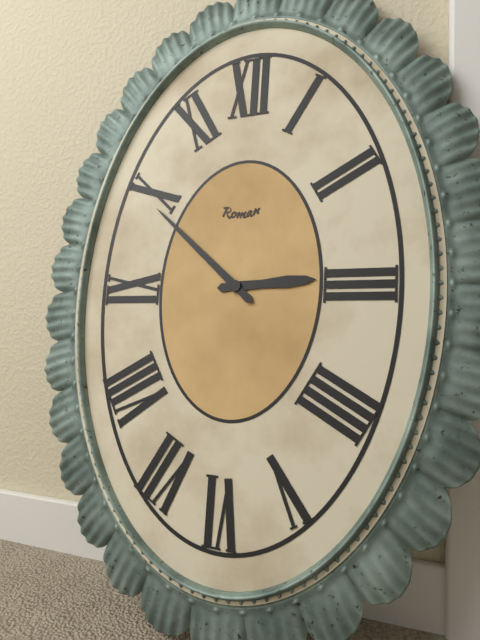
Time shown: {"hour": 2, "minute": 52}
